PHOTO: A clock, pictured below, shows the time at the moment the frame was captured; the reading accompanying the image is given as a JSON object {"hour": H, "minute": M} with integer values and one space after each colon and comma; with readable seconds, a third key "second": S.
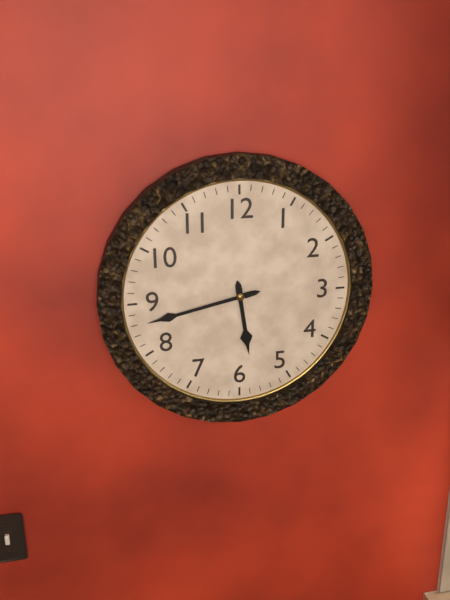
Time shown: {"hour": 5, "minute": 43}
